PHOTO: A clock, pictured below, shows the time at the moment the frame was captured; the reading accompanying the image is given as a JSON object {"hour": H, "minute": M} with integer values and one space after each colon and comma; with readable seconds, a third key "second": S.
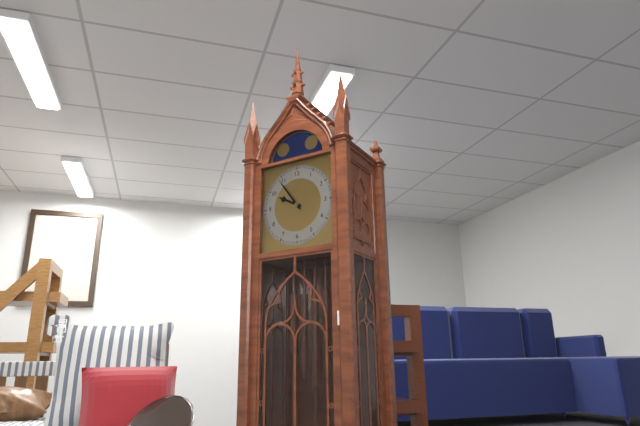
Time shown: {"hour": 9, "minute": 54}
